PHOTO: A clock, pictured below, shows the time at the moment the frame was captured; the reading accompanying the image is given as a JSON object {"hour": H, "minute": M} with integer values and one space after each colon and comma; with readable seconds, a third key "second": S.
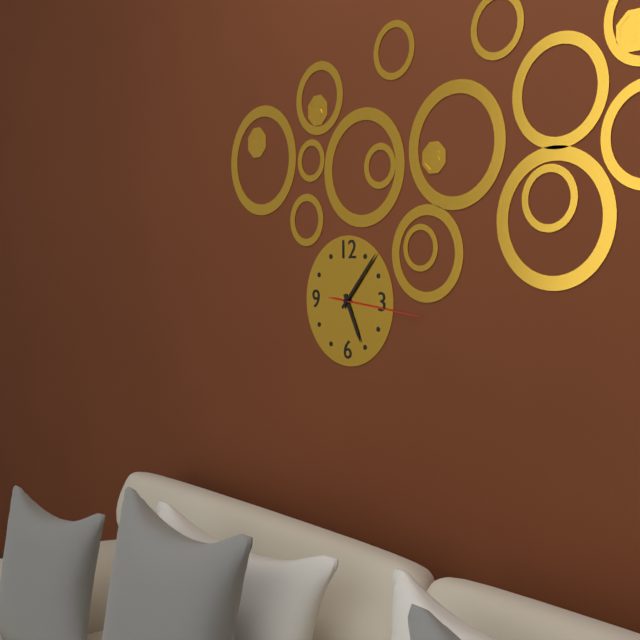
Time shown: {"hour": 5, "minute": 7, "second": 16}
